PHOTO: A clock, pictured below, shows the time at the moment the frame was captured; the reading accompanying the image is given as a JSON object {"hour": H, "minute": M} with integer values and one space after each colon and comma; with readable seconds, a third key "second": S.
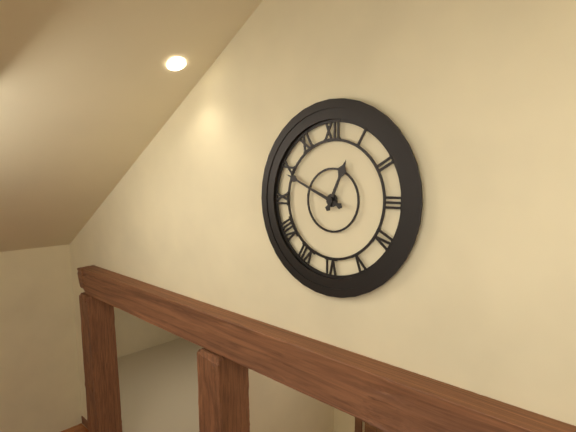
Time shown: {"hour": 12, "minute": 49}
